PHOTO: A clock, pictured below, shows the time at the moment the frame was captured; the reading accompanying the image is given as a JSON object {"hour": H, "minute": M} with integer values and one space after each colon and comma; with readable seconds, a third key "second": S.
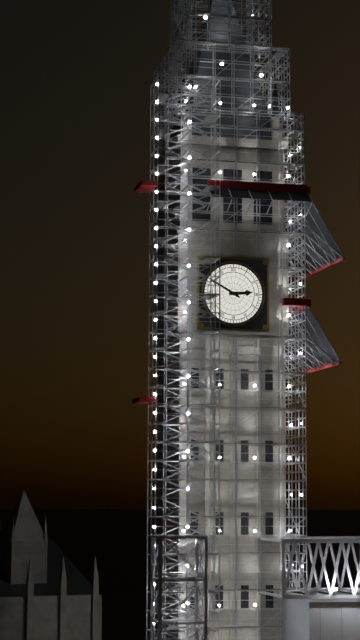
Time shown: {"hour": 2, "minute": 50}
